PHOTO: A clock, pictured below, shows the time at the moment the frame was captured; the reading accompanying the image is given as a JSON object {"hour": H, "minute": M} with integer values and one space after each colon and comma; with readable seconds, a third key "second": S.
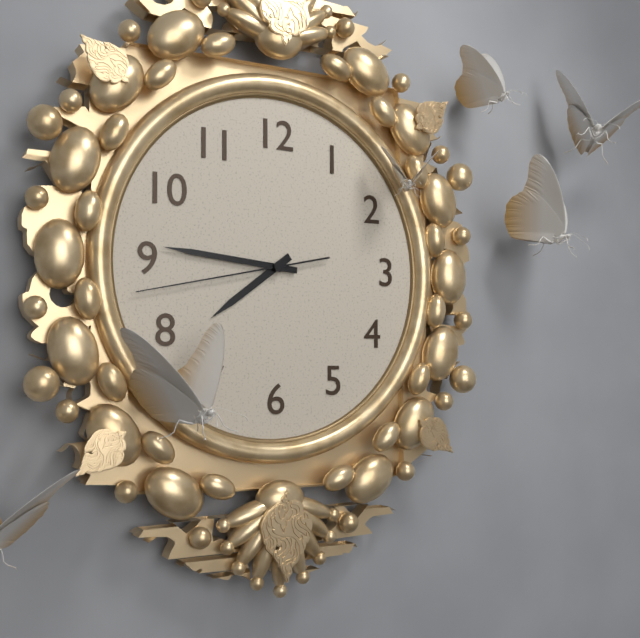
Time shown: {"hour": 7, "minute": 46, "second": 43}
